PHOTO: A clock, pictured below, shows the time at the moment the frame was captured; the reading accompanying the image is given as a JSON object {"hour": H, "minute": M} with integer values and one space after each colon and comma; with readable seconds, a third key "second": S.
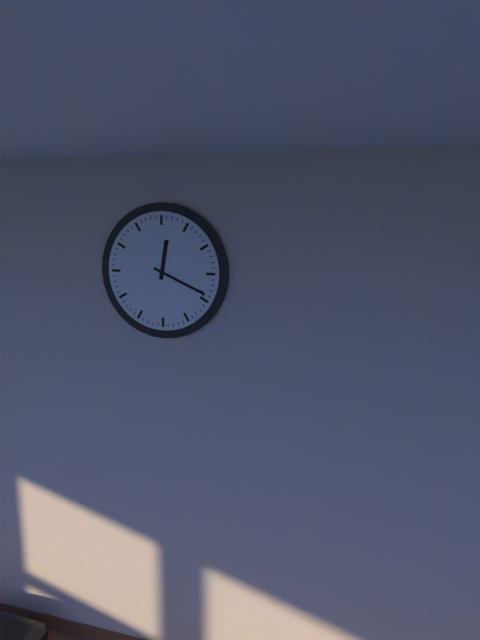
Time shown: {"hour": 12, "minute": 19}
